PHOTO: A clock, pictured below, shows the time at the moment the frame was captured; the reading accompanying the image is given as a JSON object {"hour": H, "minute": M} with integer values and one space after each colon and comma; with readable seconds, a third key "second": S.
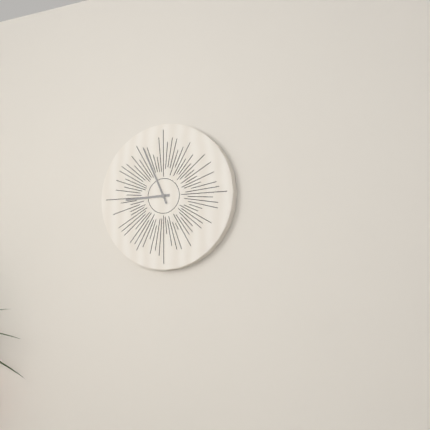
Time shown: {"hour": 8, "minute": 56}
